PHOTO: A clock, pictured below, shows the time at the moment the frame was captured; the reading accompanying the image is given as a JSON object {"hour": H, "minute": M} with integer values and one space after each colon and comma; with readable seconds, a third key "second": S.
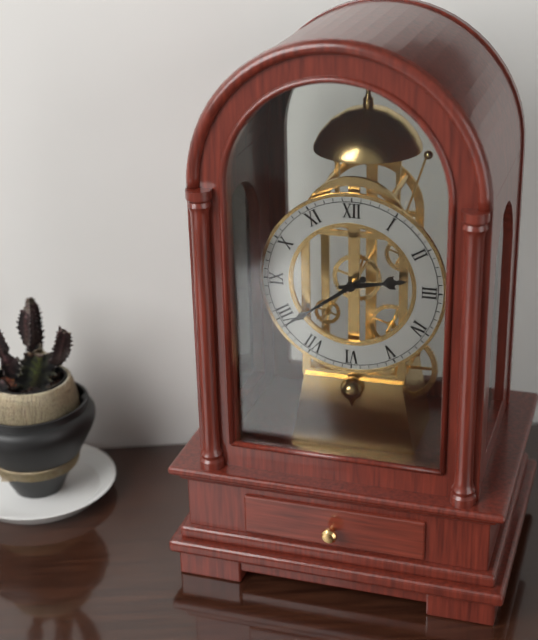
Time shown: {"hour": 2, "minute": 39}
